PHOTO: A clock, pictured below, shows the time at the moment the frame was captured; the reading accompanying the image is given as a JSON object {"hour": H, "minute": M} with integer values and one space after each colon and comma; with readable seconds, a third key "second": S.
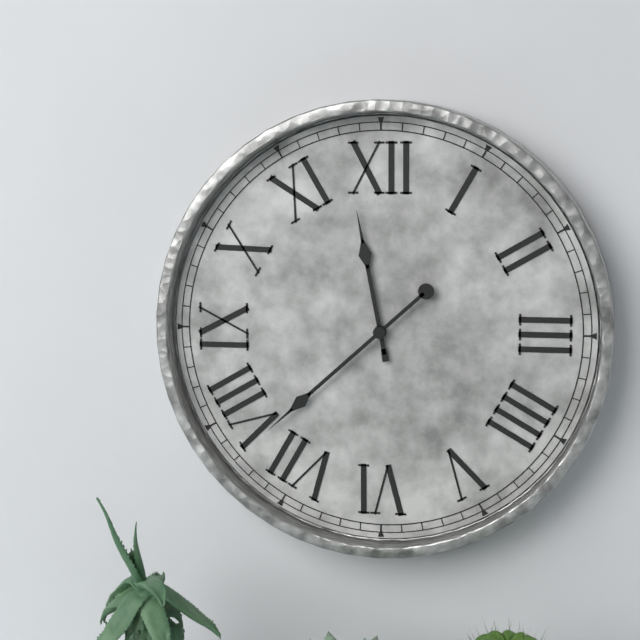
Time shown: {"hour": 11, "minute": 38}
